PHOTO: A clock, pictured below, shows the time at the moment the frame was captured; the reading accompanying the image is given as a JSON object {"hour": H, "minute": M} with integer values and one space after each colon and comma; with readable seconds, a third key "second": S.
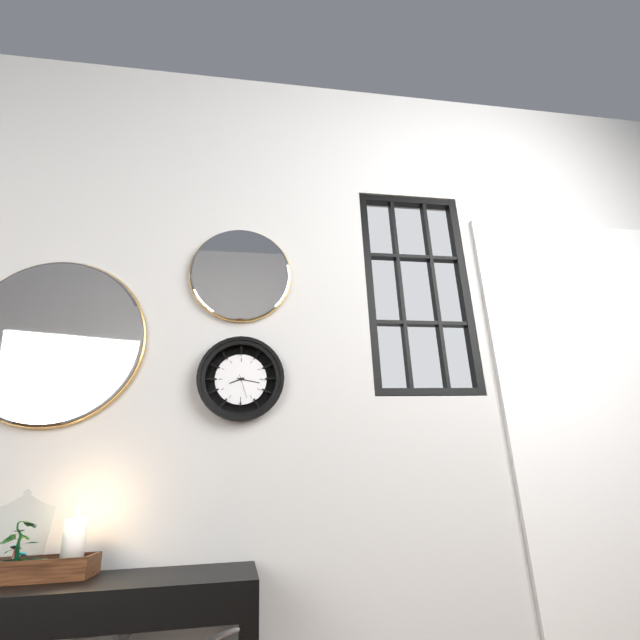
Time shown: {"hour": 8, "minute": 17}
